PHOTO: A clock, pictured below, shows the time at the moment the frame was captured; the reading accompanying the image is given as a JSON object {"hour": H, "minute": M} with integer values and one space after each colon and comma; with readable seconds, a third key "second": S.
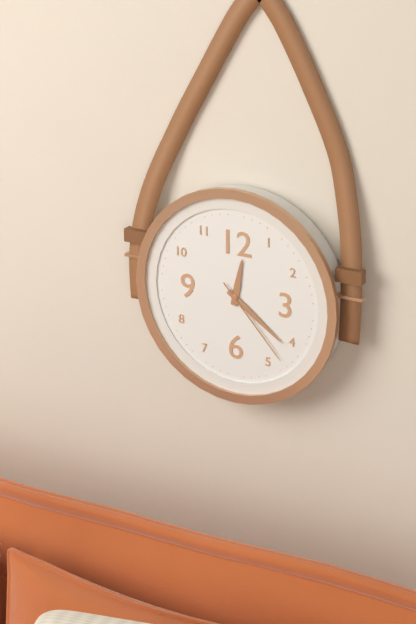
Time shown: {"hour": 12, "minute": 21, "second": 23}
